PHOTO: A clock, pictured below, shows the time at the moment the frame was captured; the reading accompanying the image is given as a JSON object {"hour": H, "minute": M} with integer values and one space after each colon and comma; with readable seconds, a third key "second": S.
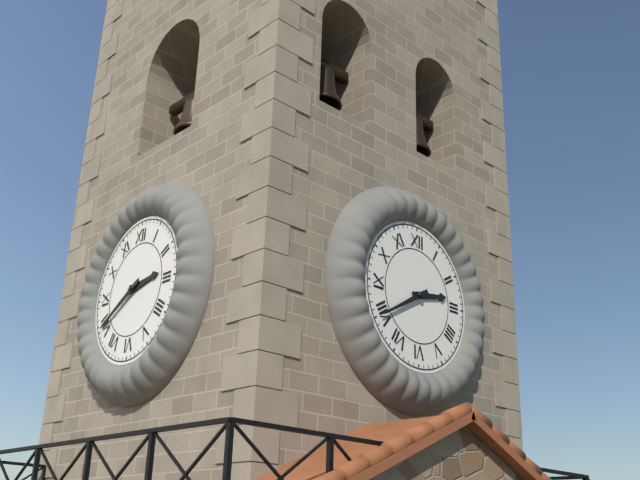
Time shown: {"hour": 2, "minute": 40}
